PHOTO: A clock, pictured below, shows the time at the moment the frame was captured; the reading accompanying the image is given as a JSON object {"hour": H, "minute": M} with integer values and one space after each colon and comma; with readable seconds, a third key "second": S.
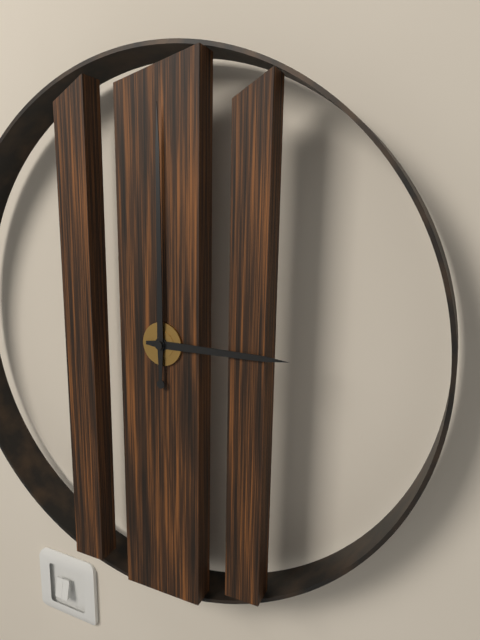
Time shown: {"hour": 3, "minute": 0}
